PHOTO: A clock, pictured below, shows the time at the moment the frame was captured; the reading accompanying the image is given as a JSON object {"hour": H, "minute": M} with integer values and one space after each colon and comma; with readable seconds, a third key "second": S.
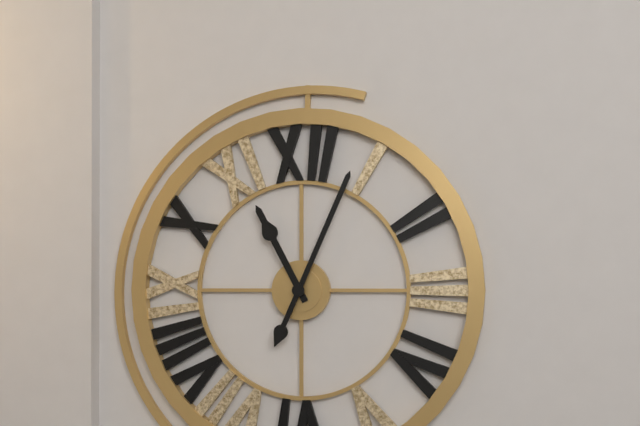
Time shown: {"hour": 11, "minute": 4}
